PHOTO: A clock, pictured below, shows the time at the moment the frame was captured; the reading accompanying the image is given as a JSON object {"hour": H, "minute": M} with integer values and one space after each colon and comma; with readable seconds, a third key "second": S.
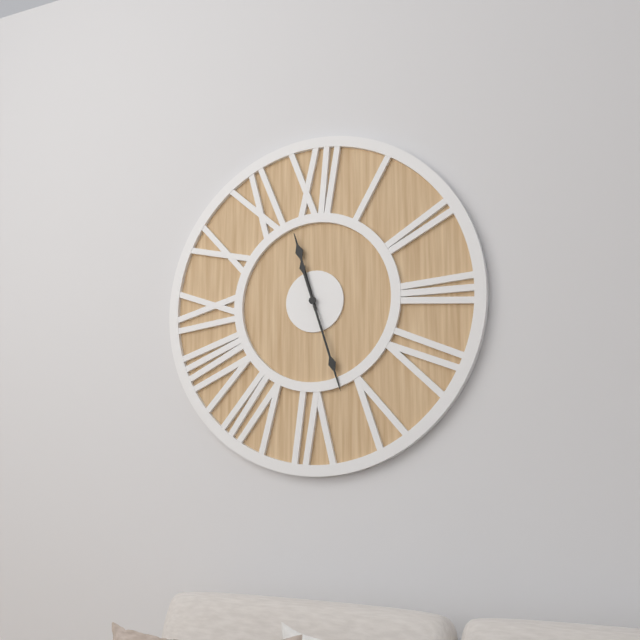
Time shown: {"hour": 11, "minute": 27}
